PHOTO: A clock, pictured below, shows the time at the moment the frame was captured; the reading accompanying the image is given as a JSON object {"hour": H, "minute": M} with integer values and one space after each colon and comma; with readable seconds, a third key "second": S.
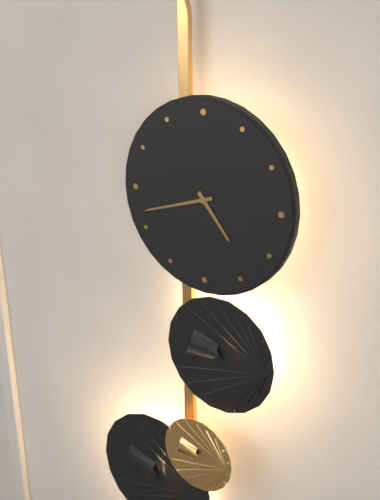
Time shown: {"hour": 4, "minute": 42}
